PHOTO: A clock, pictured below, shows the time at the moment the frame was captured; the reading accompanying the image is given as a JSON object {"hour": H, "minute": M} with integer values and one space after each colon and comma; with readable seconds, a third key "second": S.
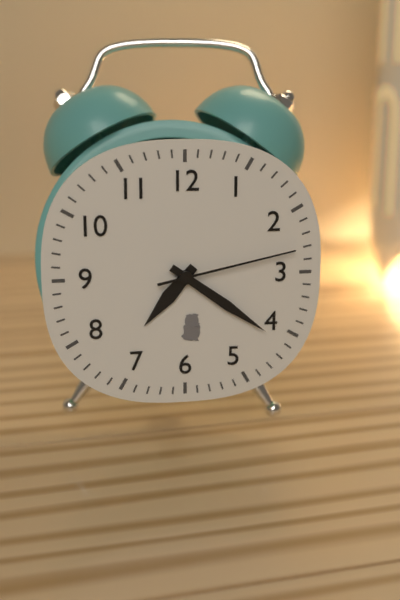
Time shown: {"hour": 7, "minute": 21, "second": 13}
